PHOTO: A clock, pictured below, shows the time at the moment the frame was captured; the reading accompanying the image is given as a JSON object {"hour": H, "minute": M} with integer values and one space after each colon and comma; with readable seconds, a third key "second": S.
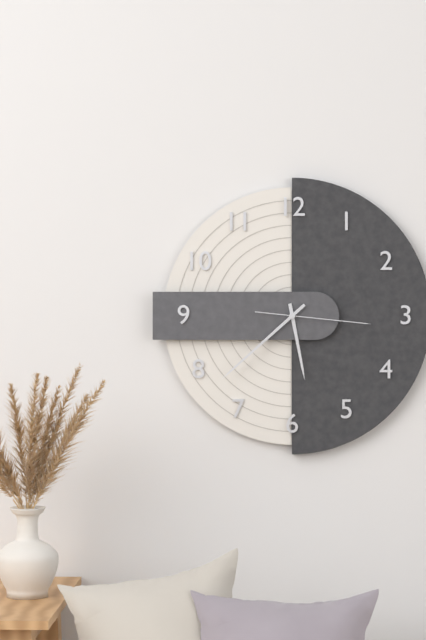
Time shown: {"hour": 5, "minute": 38, "second": 16}
